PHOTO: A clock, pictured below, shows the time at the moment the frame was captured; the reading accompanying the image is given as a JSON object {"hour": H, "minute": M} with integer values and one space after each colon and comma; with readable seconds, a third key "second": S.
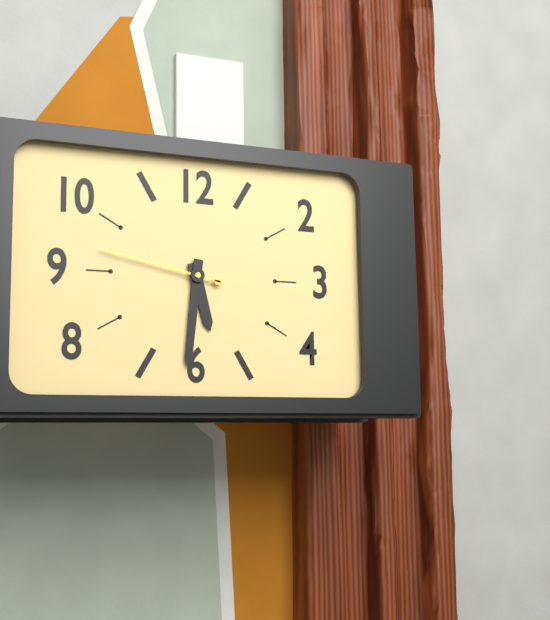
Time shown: {"hour": 5, "minute": 31, "second": 47}
